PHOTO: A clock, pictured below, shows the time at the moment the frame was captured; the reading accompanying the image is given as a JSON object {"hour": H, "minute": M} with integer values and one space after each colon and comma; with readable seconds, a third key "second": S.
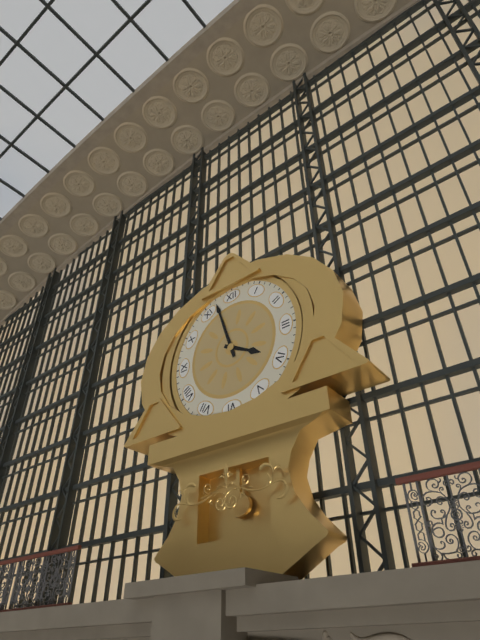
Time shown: {"hour": 3, "minute": 57}
